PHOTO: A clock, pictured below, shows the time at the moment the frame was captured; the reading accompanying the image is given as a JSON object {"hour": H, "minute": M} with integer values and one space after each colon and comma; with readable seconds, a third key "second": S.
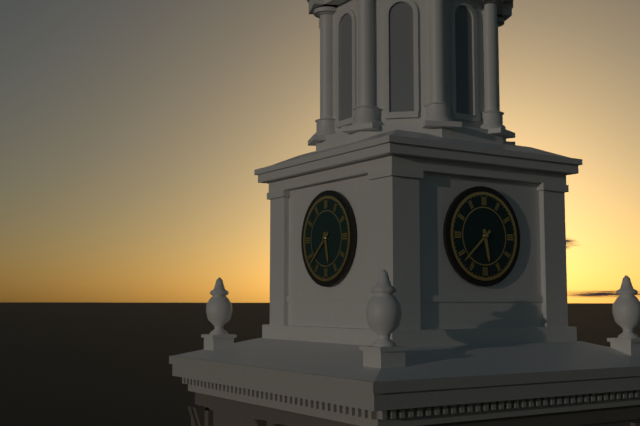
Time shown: {"hour": 5, "minute": 38}
